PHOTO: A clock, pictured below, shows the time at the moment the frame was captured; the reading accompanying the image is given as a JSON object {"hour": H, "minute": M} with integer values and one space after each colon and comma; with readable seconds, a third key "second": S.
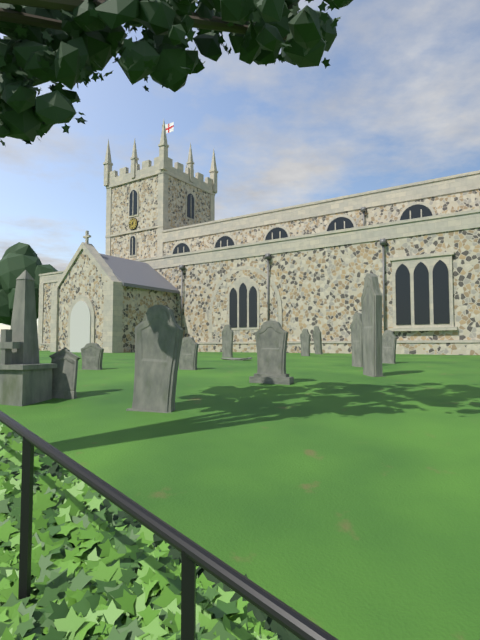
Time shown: {"hour": 12, "minute": 43}
